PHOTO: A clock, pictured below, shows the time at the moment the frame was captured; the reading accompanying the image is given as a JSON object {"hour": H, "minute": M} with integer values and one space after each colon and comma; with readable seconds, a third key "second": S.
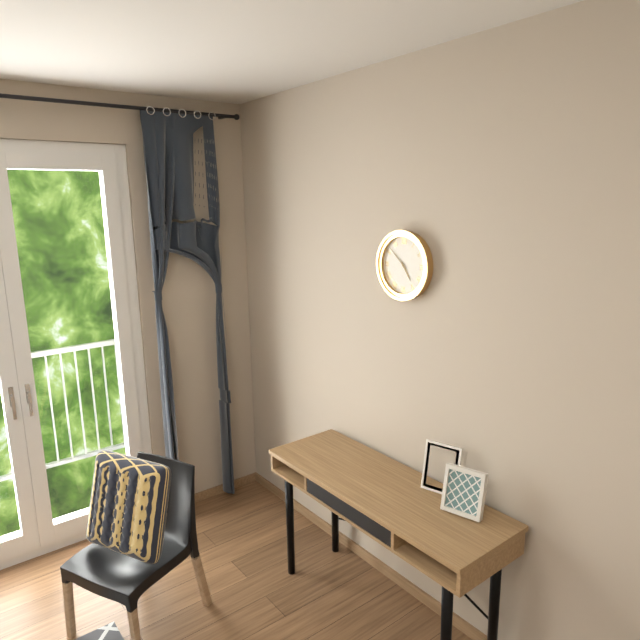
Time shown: {"hour": 4, "minute": 52}
